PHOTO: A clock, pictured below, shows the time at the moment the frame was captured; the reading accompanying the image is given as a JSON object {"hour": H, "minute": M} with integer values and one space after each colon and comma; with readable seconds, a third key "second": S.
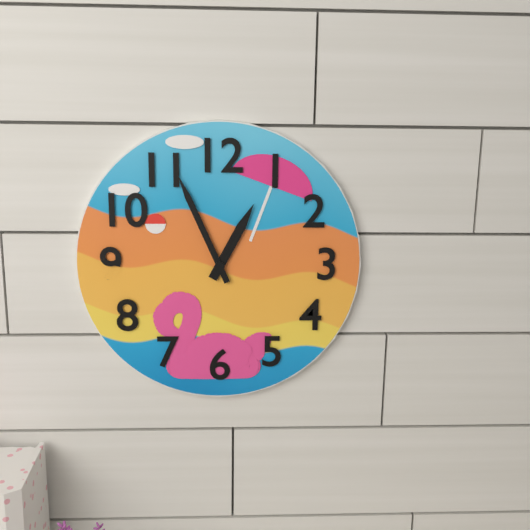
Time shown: {"hour": 12, "minute": 56}
